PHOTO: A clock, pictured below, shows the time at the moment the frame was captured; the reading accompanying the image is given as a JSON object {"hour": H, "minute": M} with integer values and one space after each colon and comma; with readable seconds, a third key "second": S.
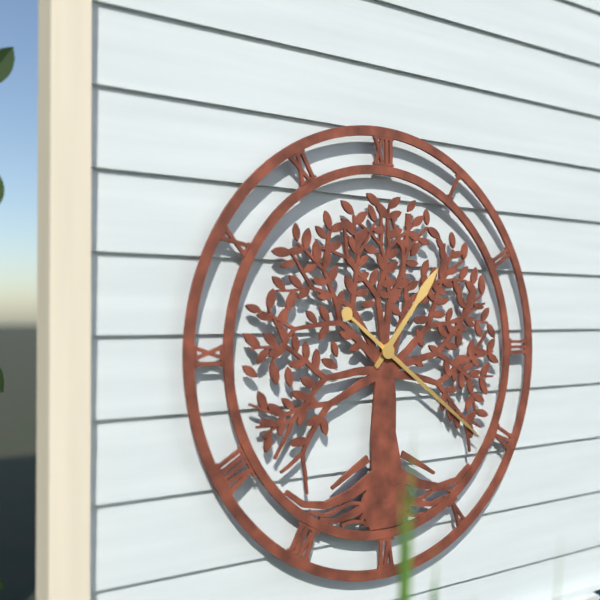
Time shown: {"hour": 1, "minute": 21}
